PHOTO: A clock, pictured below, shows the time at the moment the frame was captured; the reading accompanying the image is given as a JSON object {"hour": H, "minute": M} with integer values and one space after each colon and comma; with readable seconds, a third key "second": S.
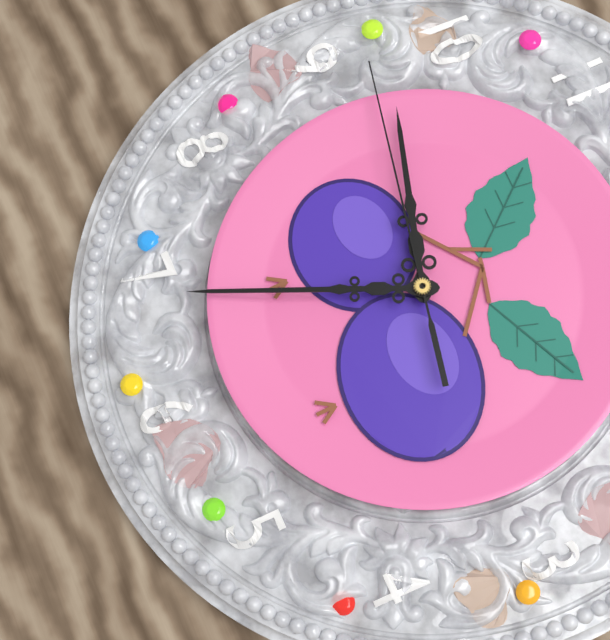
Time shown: {"hour": 9, "minute": 34, "second": 47}
